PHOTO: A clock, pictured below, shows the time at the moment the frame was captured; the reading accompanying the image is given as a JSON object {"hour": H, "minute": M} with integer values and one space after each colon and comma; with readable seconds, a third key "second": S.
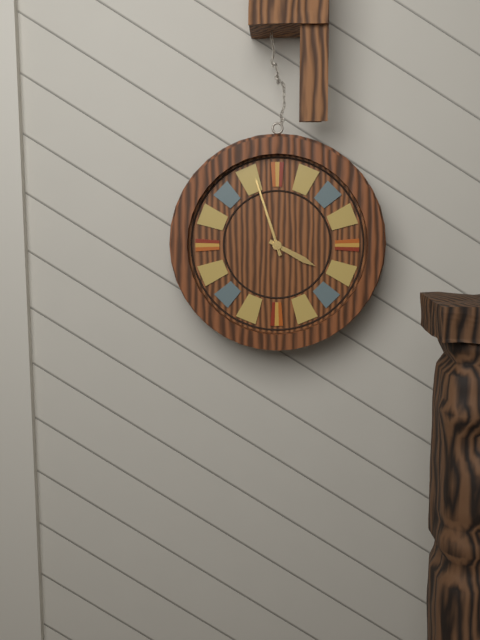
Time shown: {"hour": 3, "minute": 57}
